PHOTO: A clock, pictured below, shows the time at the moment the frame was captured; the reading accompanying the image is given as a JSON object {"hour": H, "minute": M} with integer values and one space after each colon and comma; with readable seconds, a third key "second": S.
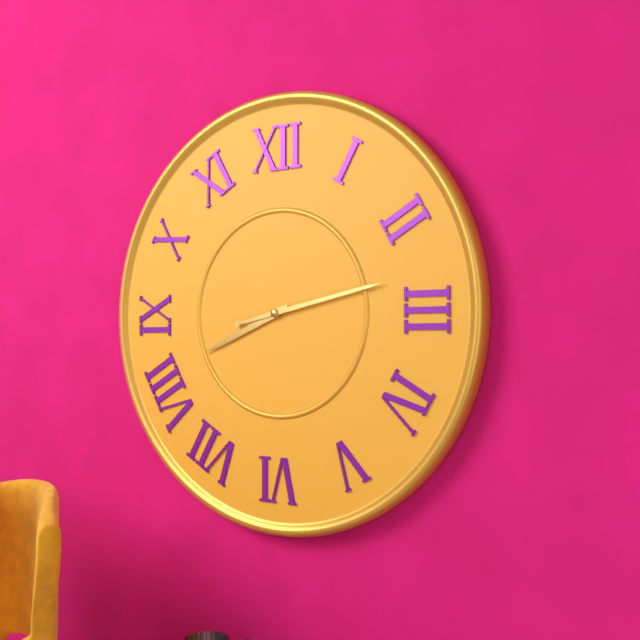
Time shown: {"hour": 8, "minute": 13}
